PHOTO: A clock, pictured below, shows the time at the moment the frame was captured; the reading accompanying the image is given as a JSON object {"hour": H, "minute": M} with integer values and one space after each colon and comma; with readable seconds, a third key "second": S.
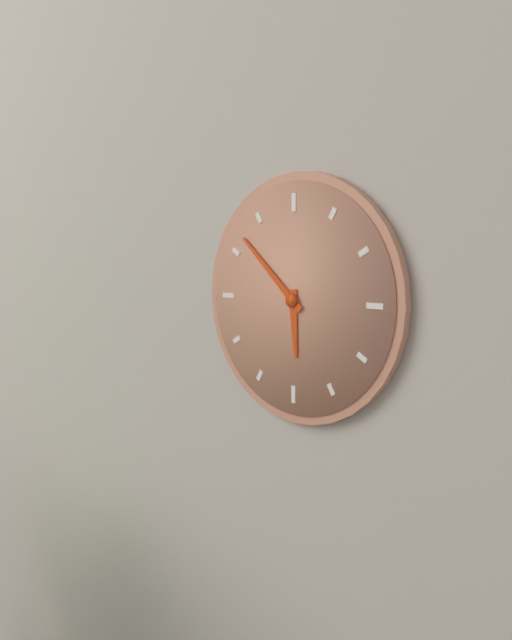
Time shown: {"hour": 5, "minute": 52}
